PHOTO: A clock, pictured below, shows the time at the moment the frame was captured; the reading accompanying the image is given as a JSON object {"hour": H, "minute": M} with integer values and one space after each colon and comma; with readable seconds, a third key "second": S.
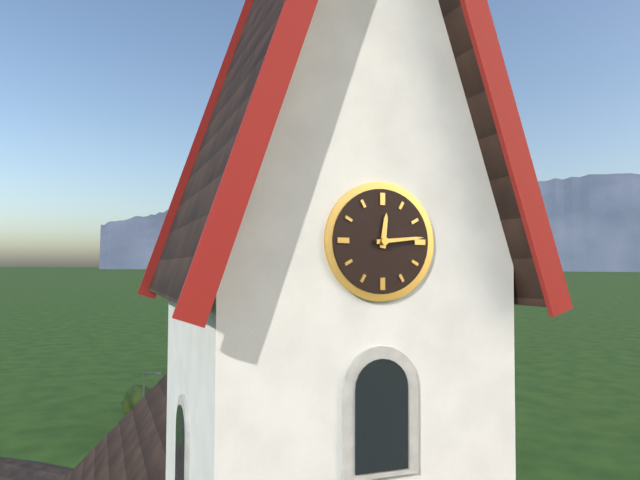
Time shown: {"hour": 12, "minute": 14}
